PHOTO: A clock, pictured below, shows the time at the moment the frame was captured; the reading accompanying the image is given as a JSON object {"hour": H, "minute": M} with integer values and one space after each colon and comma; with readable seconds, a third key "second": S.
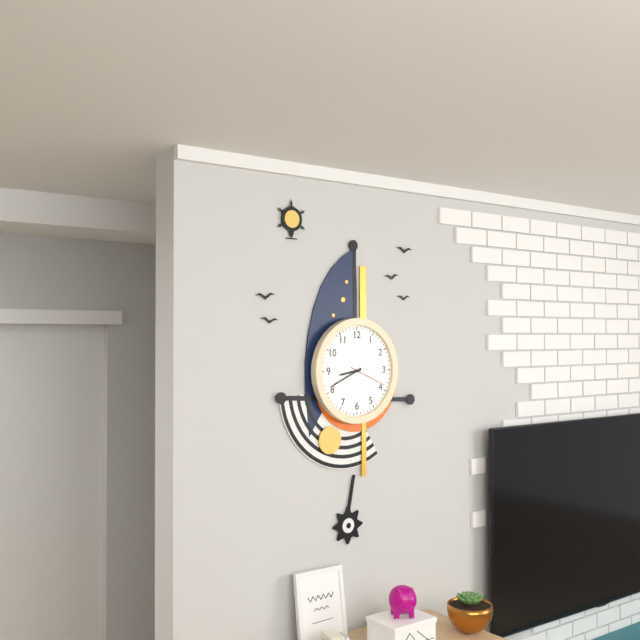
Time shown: {"hour": 8, "minute": 41}
